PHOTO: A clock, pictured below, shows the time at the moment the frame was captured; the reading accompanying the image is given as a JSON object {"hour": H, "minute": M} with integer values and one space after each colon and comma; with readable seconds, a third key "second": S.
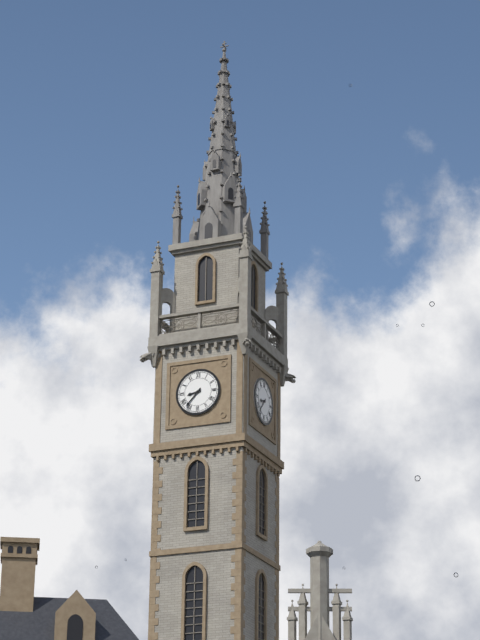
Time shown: {"hour": 8, "minute": 37}
